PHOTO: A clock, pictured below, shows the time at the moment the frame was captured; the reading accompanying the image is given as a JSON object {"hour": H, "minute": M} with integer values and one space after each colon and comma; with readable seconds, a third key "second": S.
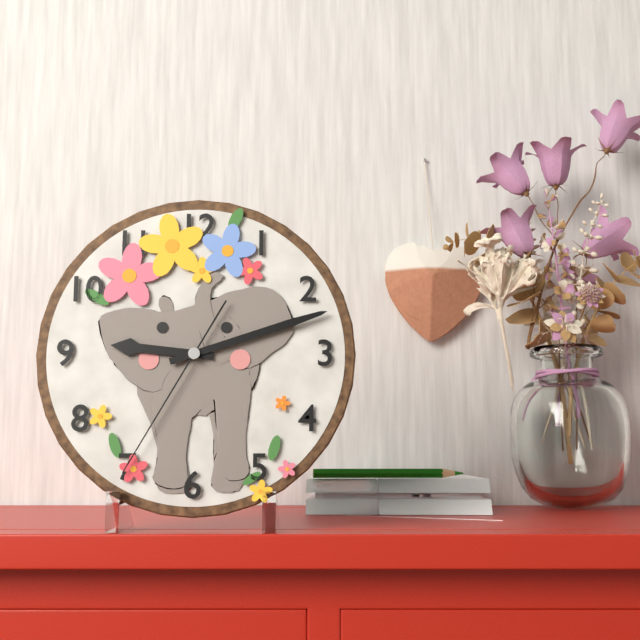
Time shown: {"hour": 9, "minute": 12, "second": 35}
